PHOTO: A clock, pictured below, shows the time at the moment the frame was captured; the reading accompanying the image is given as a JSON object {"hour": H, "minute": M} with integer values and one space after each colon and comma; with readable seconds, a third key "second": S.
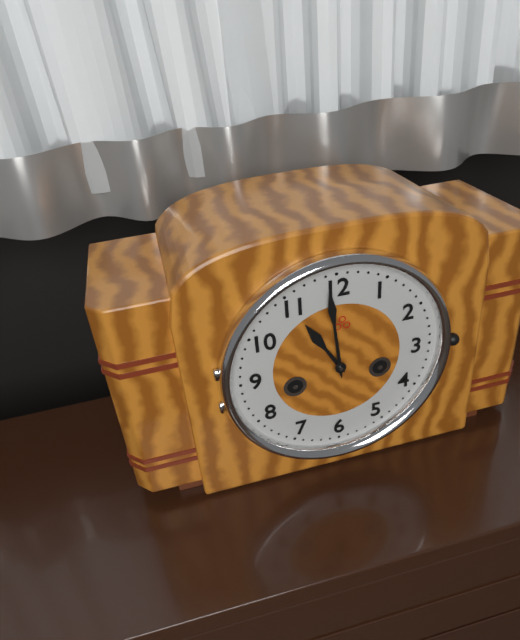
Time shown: {"hour": 10, "minute": 59}
